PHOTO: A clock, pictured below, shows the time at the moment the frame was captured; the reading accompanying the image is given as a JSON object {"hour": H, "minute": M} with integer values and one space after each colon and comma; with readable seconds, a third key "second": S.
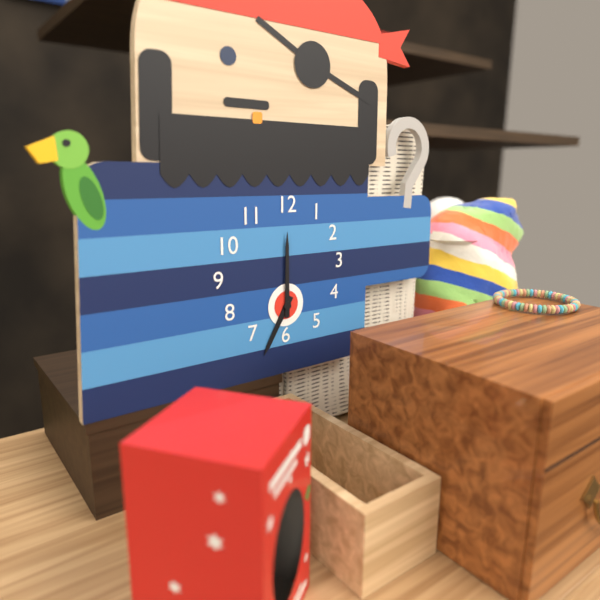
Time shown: {"hour": 7, "minute": 0}
